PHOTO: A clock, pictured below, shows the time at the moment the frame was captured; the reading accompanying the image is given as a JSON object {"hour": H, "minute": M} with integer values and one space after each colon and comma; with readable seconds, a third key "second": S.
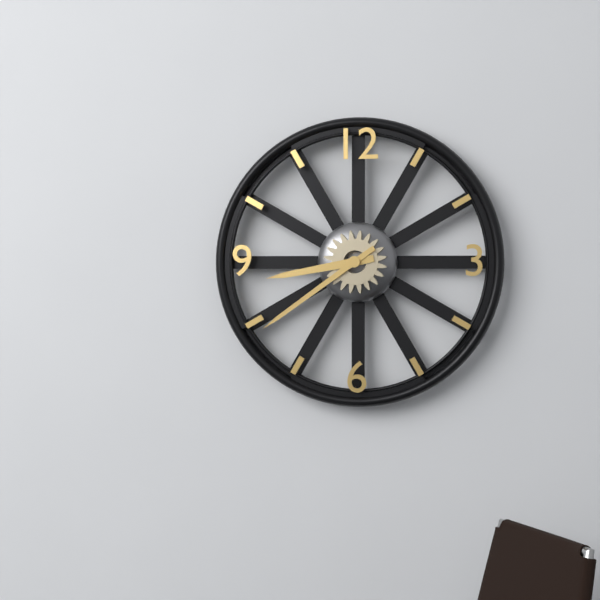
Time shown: {"hour": 8, "minute": 39}
